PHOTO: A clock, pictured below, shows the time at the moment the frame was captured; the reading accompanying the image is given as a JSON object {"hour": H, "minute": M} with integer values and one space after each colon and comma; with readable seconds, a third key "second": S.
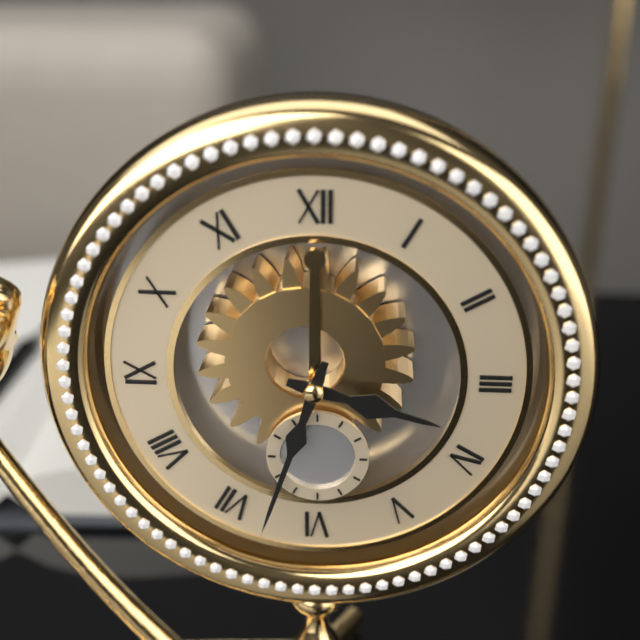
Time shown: {"hour": 3, "minute": 33}
